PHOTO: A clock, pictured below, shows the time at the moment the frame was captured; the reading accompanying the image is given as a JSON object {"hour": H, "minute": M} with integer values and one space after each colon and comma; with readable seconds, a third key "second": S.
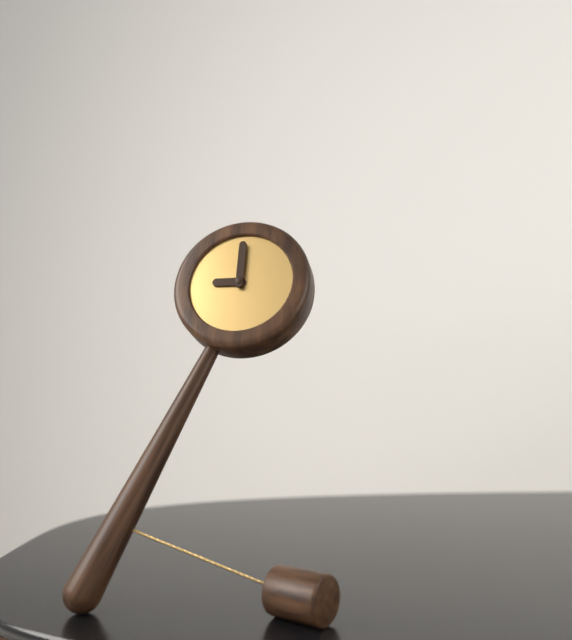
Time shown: {"hour": 9, "minute": 0}
